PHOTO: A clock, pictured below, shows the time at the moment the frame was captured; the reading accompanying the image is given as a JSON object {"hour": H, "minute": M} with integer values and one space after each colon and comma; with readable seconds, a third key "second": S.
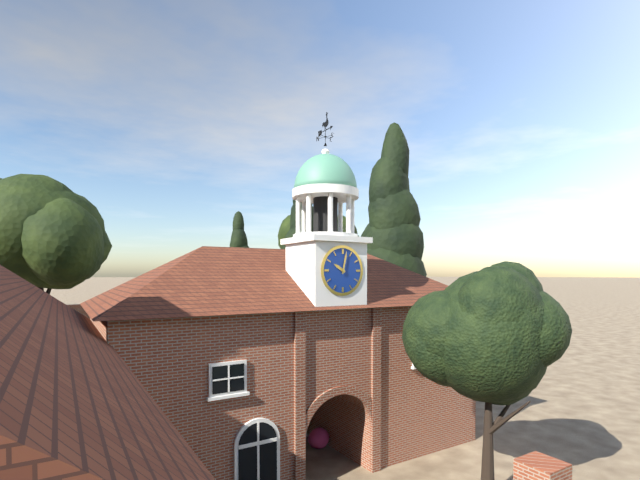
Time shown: {"hour": 10, "minute": 2}
